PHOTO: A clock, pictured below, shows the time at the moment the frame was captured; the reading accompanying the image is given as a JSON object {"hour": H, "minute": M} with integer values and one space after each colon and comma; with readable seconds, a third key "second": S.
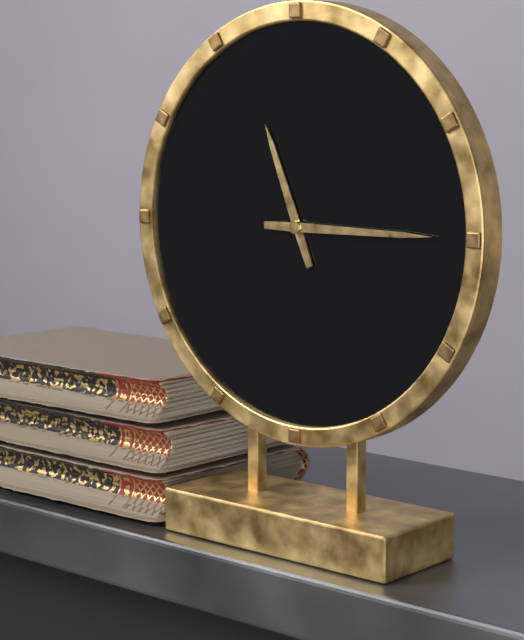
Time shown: {"hour": 11, "minute": 15}
